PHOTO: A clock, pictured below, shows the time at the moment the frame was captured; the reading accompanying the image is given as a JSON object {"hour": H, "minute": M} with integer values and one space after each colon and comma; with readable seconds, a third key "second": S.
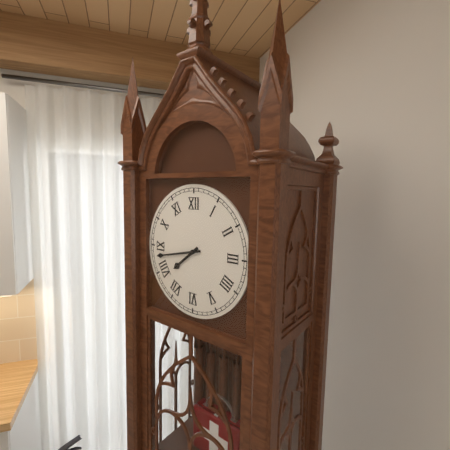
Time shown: {"hour": 7, "minute": 43}
